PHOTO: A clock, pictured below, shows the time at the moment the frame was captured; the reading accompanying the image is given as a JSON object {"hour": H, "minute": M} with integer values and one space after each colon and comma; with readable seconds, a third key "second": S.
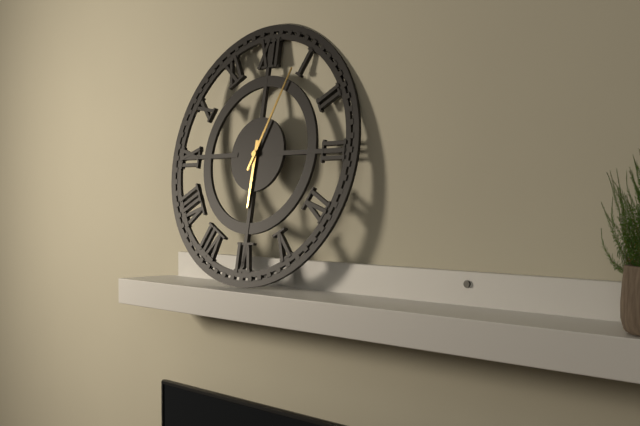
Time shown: {"hour": 6, "minute": 4}
